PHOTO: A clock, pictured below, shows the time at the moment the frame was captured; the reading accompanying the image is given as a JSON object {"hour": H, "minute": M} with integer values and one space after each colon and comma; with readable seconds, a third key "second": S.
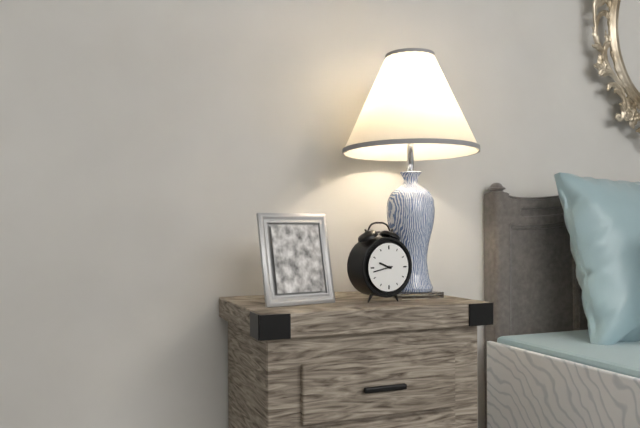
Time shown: {"hour": 9, "minute": 43}
